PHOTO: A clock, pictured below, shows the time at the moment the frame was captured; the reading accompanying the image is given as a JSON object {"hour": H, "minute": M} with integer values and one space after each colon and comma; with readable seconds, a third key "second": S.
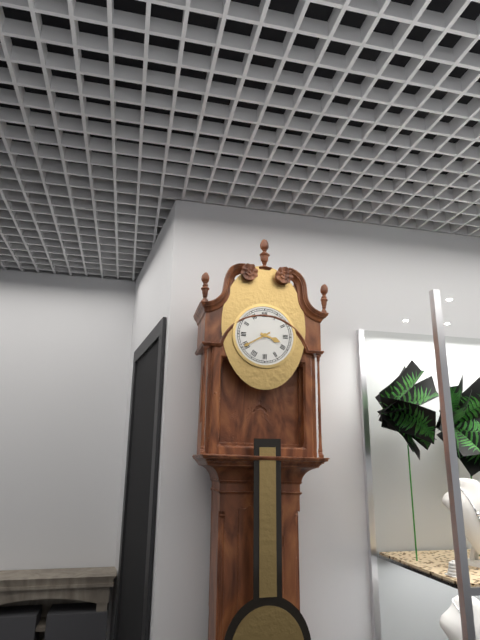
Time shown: {"hour": 3, "minute": 40}
